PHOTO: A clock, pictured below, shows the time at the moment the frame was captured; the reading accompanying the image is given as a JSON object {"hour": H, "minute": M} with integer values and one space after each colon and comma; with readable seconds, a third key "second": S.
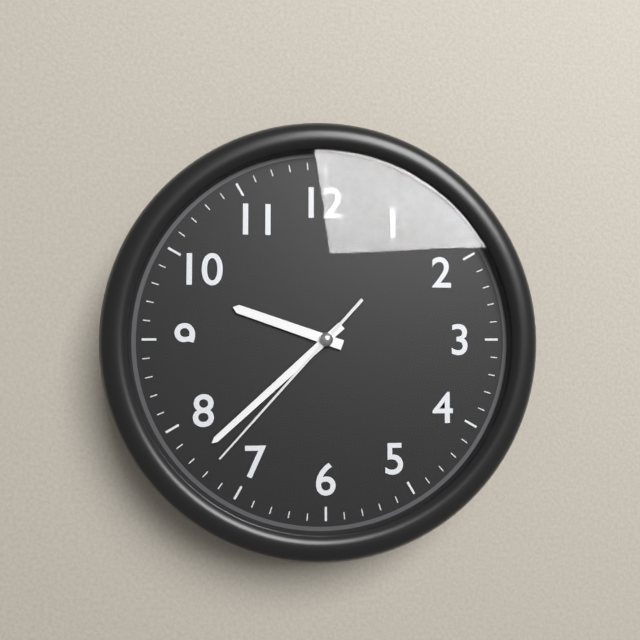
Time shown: {"hour": 9, "minute": 38, "second": 37}
